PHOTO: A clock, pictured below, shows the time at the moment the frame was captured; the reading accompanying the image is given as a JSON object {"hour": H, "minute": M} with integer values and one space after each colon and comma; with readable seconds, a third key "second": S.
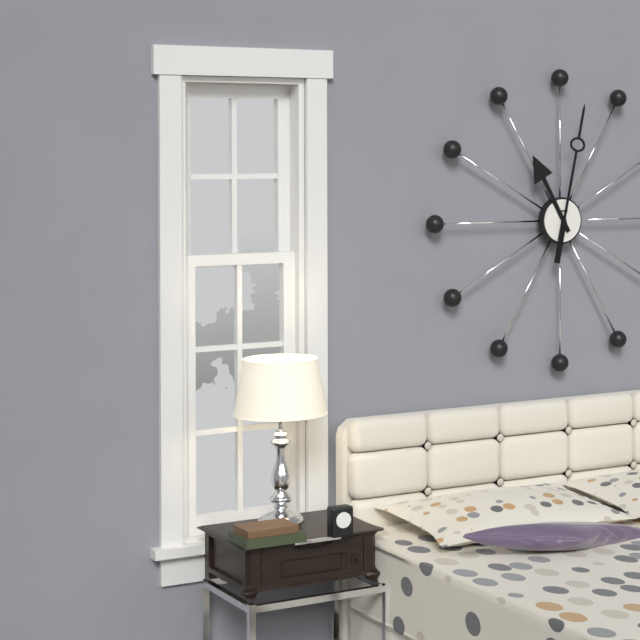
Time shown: {"hour": 11, "minute": 2}
